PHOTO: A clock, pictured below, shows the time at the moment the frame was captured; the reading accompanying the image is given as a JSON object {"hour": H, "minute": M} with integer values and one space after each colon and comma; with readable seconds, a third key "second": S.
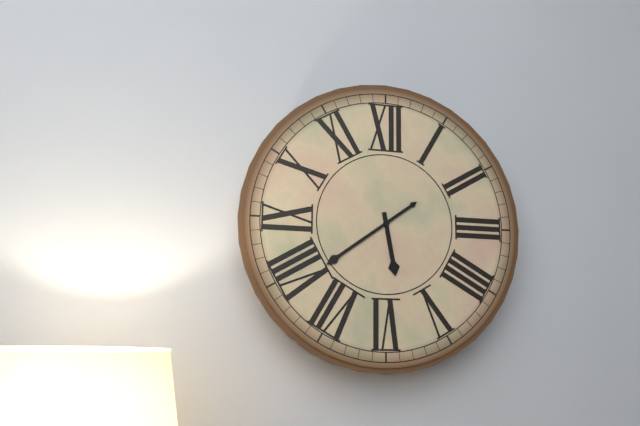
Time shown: {"hour": 5, "minute": 39}
